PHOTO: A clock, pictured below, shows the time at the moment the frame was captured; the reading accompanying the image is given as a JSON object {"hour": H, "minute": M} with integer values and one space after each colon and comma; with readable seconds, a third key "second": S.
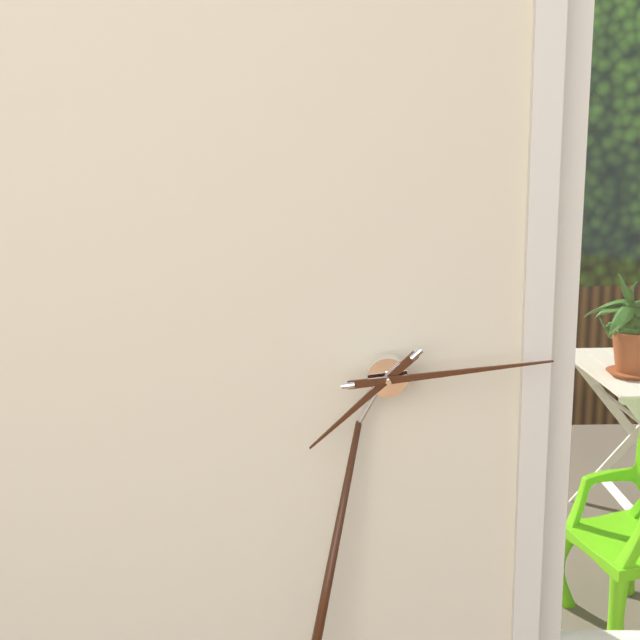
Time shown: {"hour": 7, "minute": 12}
